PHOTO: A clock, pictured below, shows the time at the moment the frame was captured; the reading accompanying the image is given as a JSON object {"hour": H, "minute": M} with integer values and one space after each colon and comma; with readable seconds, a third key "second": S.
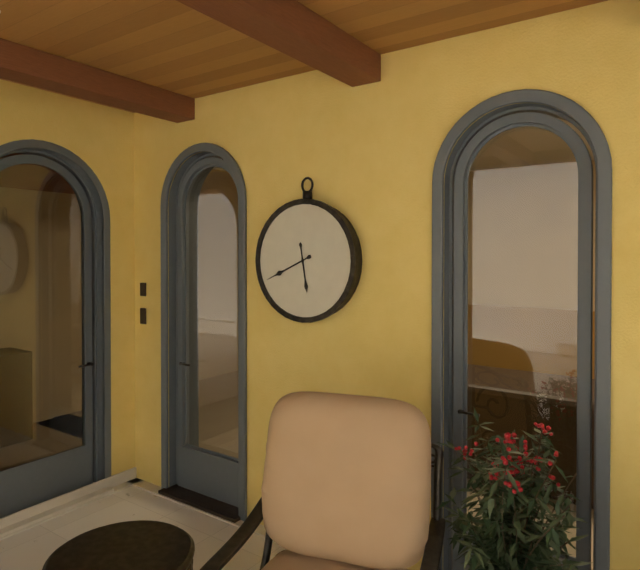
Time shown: {"hour": 5, "minute": 41}
